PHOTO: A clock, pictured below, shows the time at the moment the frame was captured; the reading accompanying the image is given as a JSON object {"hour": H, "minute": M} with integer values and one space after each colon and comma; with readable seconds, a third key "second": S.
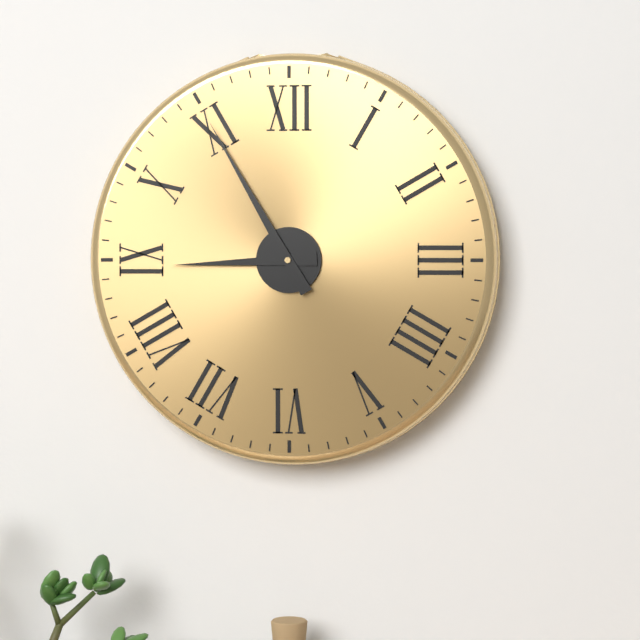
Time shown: {"hour": 8, "minute": 55}
